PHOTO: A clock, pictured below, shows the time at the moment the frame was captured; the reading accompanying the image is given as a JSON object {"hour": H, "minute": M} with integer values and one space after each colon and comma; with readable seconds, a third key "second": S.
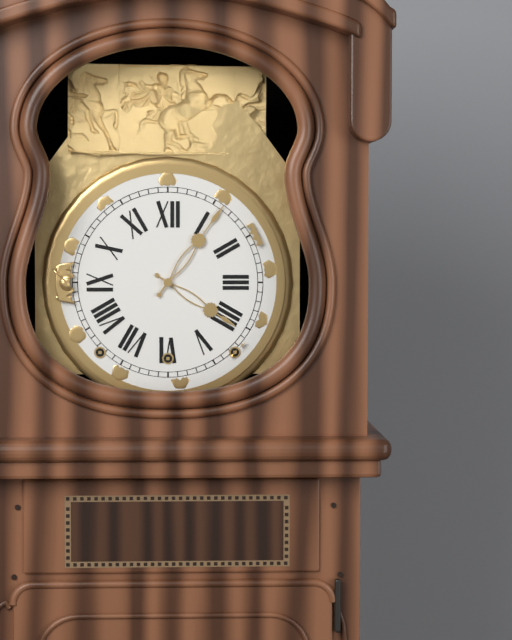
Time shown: {"hour": 4, "minute": 6}
